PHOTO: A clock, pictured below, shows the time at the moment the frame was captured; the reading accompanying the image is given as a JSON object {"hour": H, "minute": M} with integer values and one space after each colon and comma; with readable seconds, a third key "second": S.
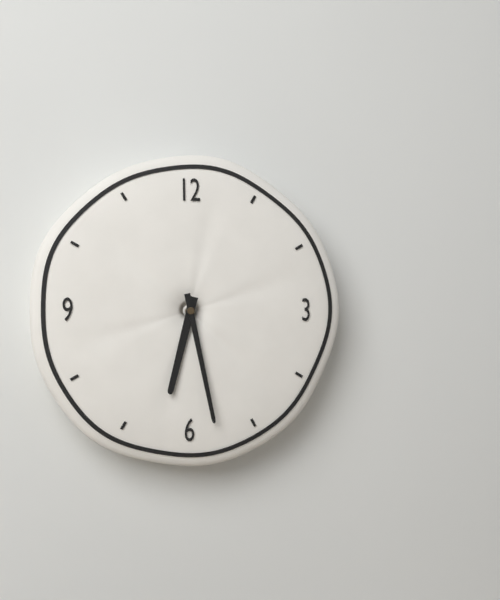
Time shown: {"hour": 6, "minute": 28}
